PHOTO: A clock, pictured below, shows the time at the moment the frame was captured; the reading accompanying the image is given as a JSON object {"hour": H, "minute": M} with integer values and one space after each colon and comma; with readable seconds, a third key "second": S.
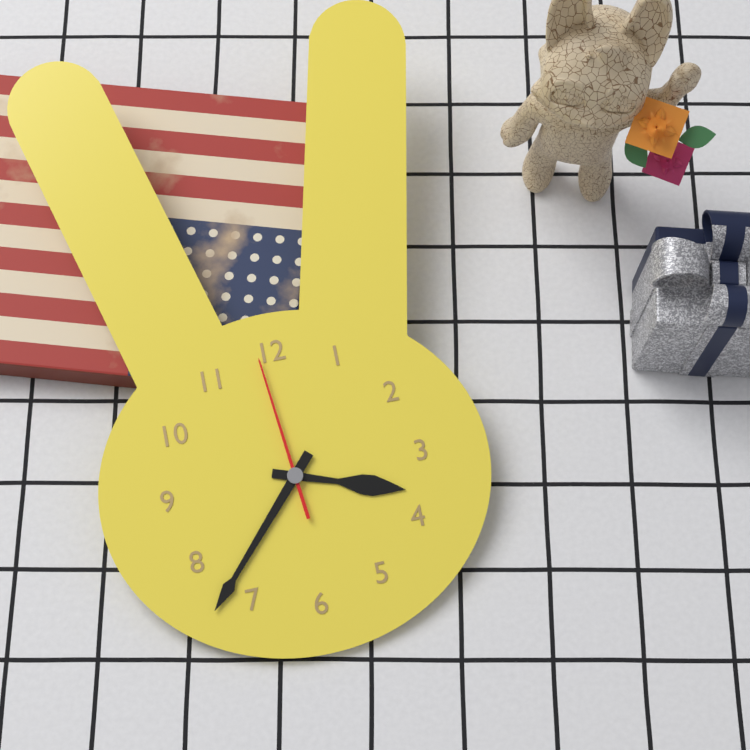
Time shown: {"hour": 3, "minute": 37, "second": 59}
